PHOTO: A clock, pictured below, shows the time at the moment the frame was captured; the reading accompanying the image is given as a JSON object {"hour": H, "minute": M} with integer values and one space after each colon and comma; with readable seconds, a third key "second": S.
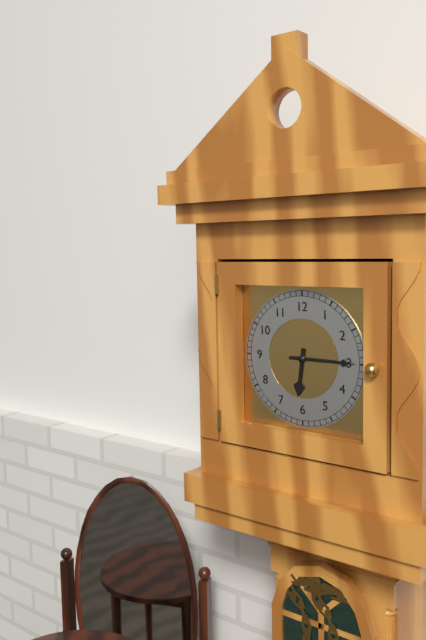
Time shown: {"hour": 6, "minute": 15}
